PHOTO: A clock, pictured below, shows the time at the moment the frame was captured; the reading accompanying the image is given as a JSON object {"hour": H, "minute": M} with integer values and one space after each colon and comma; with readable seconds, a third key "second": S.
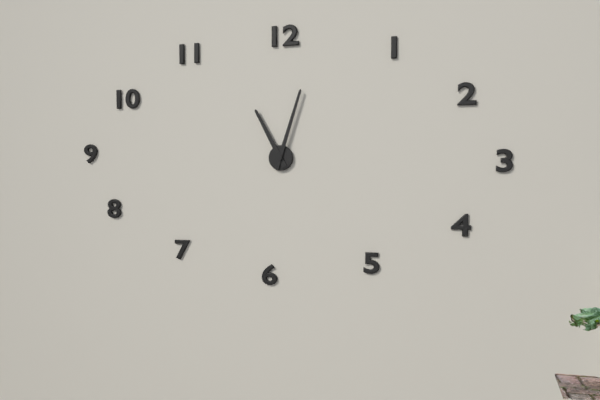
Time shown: {"hour": 11, "minute": 3}
